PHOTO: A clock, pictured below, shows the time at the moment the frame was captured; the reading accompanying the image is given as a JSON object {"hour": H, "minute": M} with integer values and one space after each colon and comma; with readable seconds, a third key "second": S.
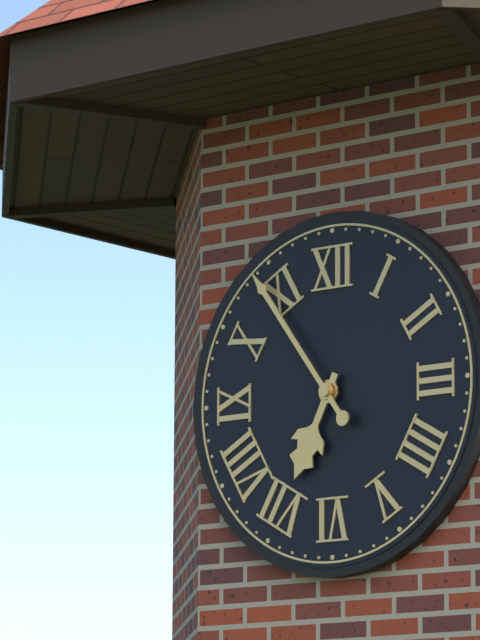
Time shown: {"hour": 6, "minute": 54}
